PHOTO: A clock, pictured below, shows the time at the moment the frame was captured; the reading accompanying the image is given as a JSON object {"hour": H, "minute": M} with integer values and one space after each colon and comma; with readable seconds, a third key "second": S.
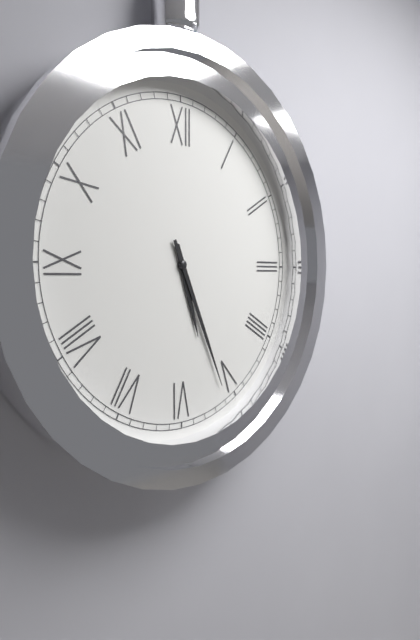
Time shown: {"hour": 5, "minute": 26}
